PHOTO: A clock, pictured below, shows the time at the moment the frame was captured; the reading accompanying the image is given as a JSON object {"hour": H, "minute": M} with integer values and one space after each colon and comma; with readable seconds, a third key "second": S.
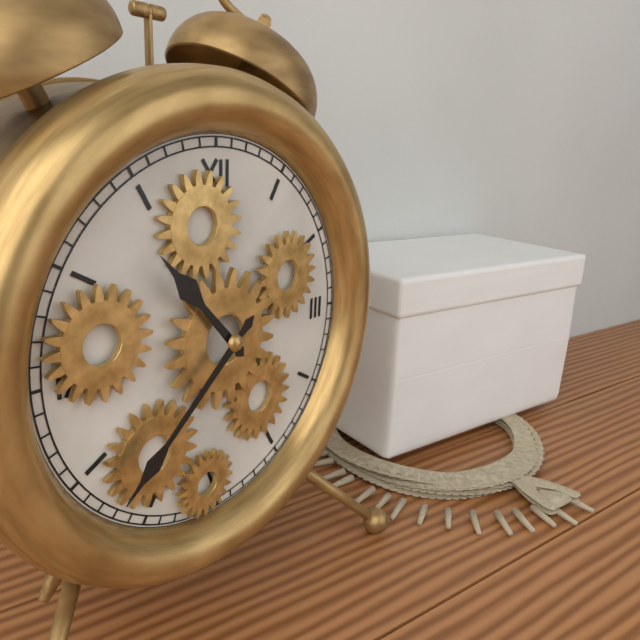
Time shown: {"hour": 10, "minute": 38}
